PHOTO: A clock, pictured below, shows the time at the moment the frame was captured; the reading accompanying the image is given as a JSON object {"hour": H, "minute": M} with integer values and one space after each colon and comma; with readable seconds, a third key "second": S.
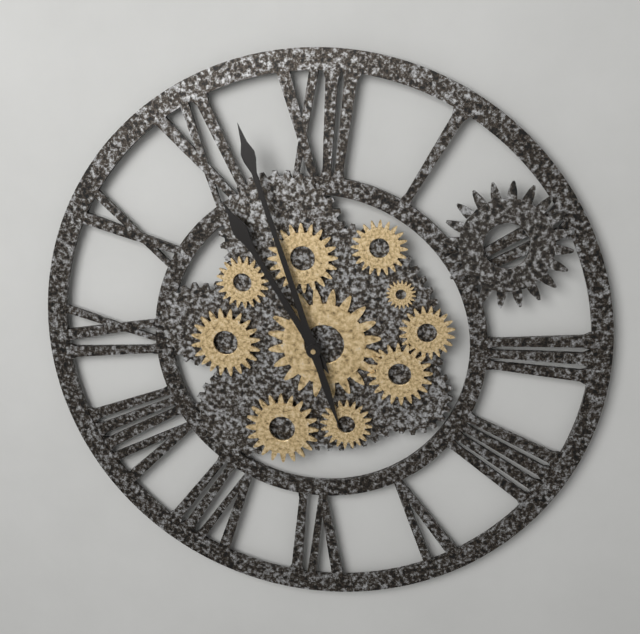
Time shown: {"hour": 10, "minute": 57}
